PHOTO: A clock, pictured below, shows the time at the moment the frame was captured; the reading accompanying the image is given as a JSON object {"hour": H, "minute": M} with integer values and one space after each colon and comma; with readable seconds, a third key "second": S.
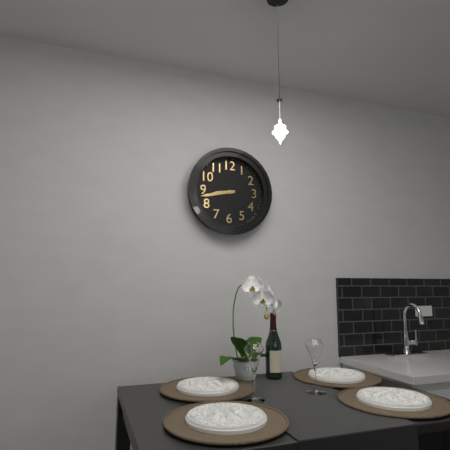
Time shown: {"hour": 8, "minute": 43}
